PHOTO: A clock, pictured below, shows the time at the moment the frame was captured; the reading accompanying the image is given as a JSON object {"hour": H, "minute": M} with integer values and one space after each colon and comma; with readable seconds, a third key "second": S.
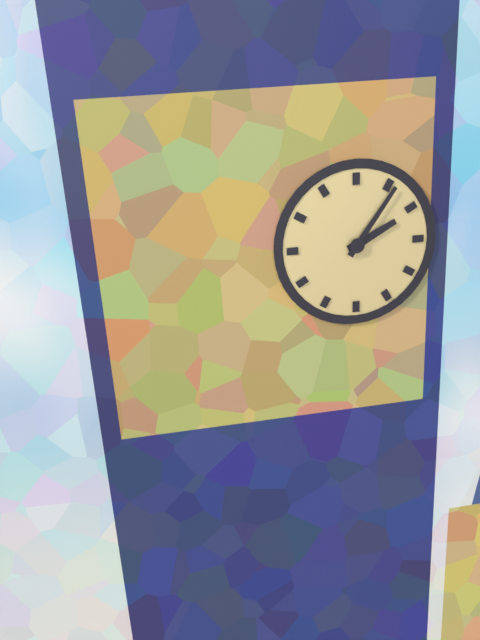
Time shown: {"hour": 2, "minute": 6}
